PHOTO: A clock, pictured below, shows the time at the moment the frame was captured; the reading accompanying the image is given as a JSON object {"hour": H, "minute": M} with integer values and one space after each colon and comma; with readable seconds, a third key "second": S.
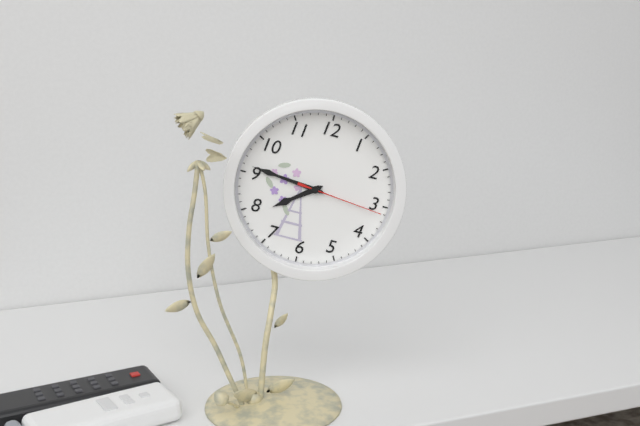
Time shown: {"hour": 7, "minute": 46, "second": 16}
